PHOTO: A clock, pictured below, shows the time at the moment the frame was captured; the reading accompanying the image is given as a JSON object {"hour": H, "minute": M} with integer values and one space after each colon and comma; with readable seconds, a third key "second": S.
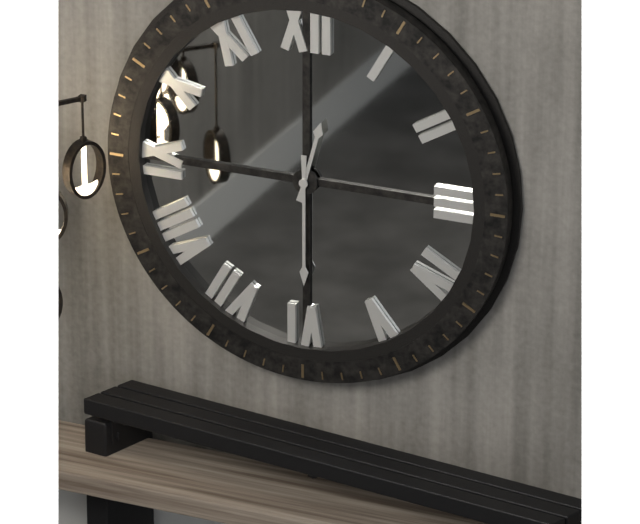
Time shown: {"hour": 12, "minute": 30}
